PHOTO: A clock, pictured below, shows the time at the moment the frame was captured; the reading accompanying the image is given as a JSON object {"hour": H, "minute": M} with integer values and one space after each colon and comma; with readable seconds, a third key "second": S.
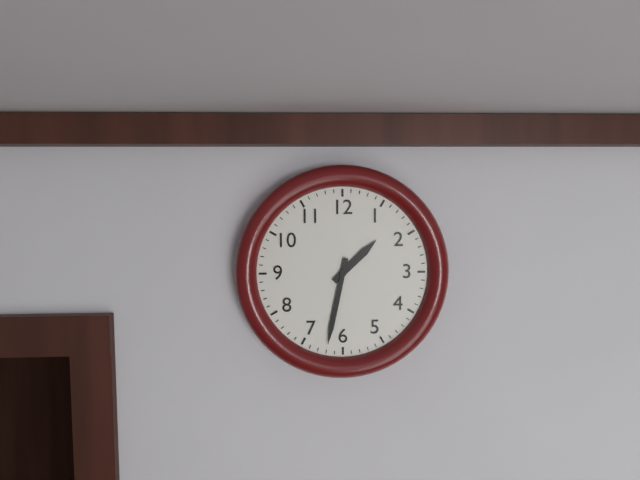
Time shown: {"hour": 1, "minute": 32}
